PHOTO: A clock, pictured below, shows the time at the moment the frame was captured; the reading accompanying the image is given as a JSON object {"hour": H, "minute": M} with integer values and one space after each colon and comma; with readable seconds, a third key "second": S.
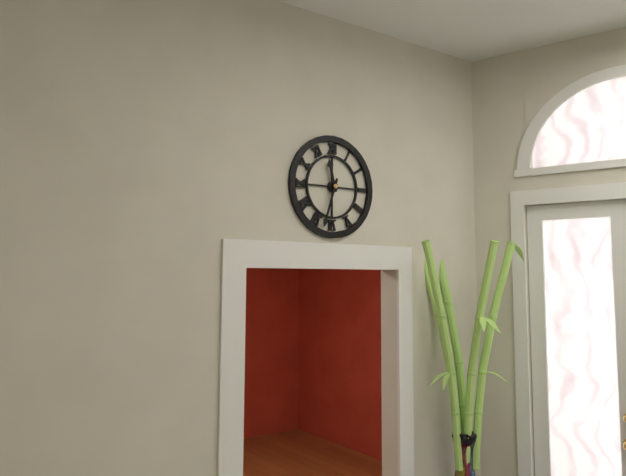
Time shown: {"hour": 11, "minute": 33}
